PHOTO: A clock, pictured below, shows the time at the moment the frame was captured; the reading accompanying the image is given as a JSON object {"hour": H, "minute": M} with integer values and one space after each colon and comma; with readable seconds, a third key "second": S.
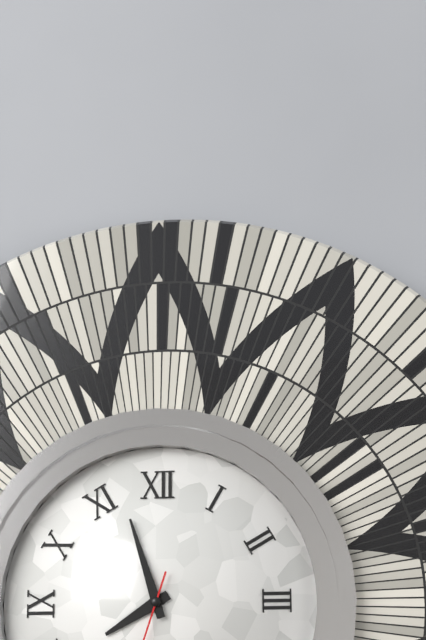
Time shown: {"hour": 7, "minute": 57}
